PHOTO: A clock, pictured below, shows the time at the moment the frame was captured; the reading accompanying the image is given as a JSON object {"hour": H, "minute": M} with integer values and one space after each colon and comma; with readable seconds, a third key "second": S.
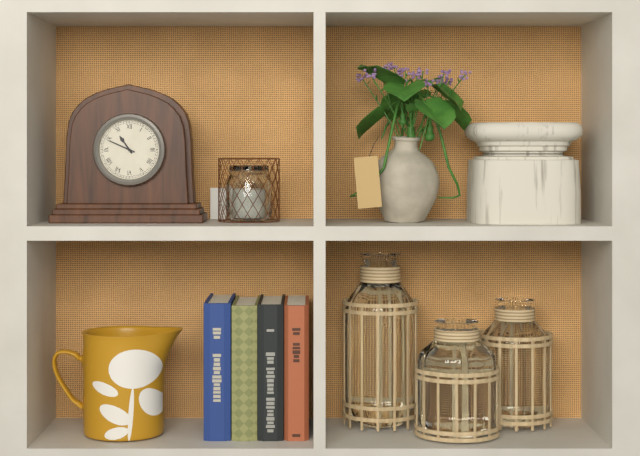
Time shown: {"hour": 10, "minute": 49}
